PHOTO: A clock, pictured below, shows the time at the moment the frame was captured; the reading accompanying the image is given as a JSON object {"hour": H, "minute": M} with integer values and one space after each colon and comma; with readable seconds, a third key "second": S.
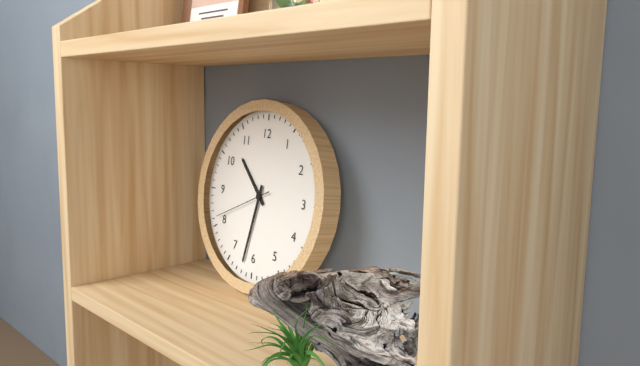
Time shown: {"hour": 10, "minute": 32, "second": 41}
